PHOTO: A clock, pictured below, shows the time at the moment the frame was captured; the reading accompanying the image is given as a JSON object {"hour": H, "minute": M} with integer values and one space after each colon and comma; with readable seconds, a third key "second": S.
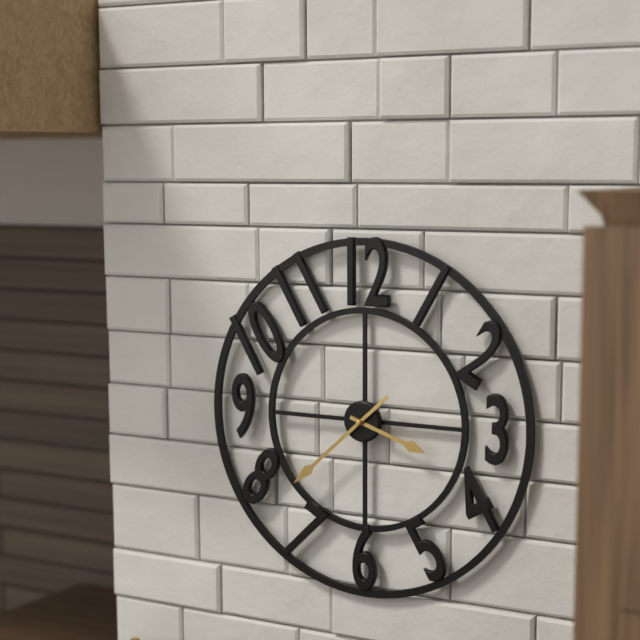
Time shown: {"hour": 3, "minute": 38}
